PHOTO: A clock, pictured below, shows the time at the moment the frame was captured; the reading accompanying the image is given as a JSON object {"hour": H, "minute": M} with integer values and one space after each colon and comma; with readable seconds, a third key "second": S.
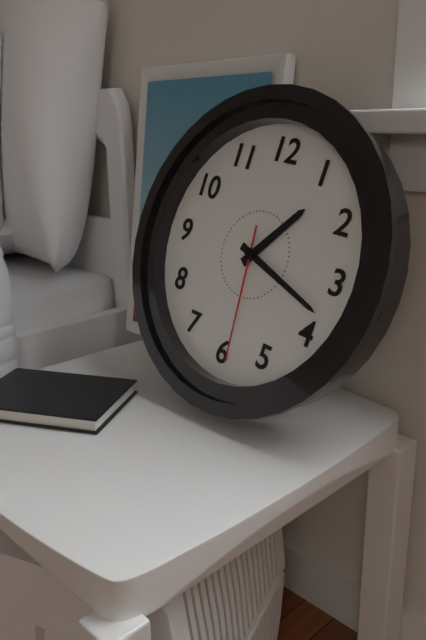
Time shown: {"hour": 1, "minute": 18, "second": 29}
